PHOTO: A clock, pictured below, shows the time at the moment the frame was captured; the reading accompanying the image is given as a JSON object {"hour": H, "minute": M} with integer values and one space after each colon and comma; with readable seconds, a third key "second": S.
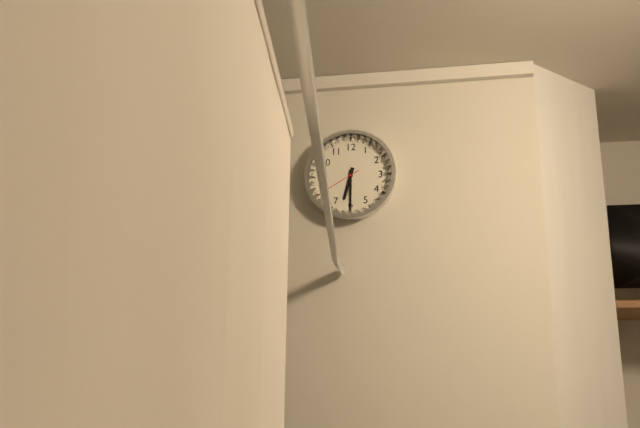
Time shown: {"hour": 6, "minute": 30}
